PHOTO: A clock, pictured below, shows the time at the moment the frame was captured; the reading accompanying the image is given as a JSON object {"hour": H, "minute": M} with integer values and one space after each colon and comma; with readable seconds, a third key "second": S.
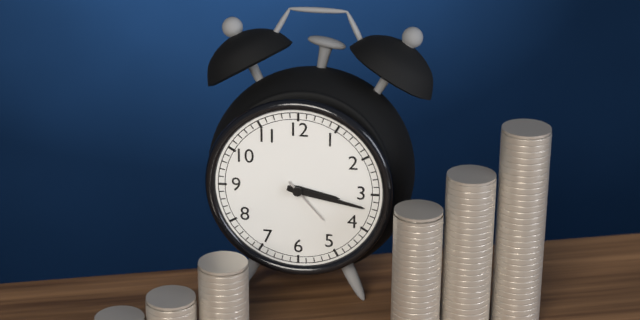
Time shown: {"hour": 3, "minute": 17}
